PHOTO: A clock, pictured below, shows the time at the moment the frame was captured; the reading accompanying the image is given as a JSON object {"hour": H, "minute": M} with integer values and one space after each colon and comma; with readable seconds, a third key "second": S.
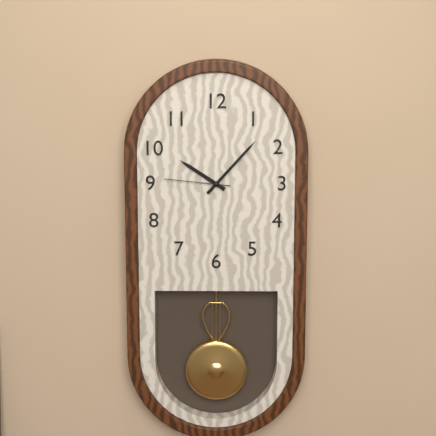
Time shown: {"hour": 10, "minute": 7, "second": 46}
